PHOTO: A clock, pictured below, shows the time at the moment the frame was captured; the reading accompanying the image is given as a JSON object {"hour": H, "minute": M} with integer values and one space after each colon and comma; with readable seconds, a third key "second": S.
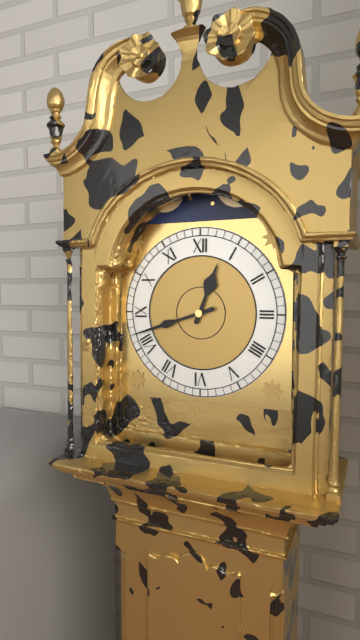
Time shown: {"hour": 12, "minute": 42}
